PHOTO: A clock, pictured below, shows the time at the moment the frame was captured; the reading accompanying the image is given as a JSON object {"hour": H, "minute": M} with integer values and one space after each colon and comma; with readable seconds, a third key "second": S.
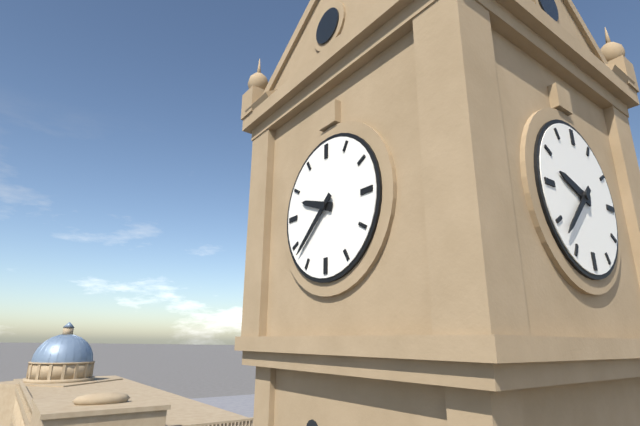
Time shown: {"hour": 9, "minute": 38}
